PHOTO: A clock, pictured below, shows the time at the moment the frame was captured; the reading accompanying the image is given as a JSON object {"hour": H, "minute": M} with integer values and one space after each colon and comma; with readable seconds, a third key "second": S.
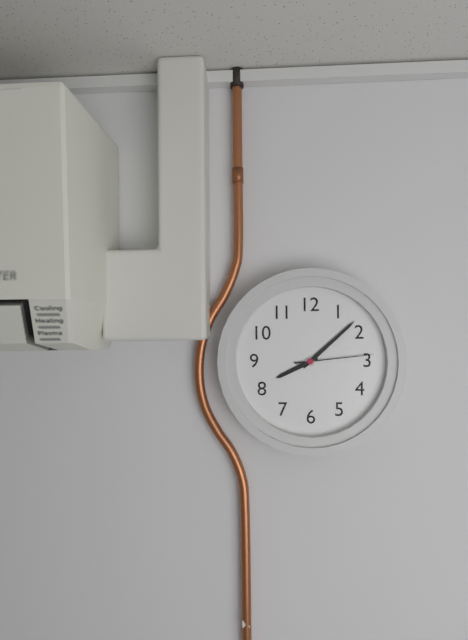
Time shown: {"hour": 8, "minute": 8, "second": 14}
